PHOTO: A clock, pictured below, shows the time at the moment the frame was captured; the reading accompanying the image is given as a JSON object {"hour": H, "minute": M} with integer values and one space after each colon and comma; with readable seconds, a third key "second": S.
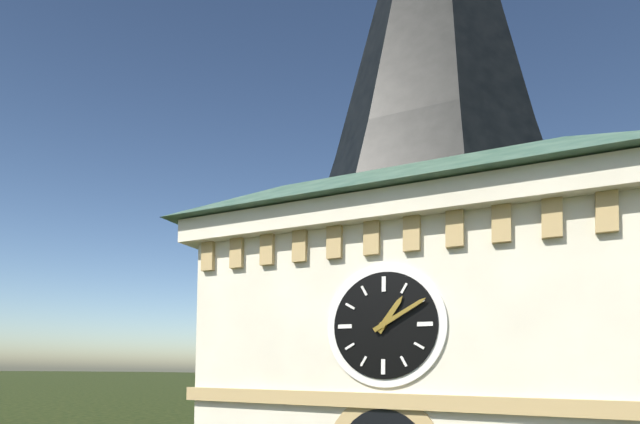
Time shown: {"hour": 1, "minute": 10}
